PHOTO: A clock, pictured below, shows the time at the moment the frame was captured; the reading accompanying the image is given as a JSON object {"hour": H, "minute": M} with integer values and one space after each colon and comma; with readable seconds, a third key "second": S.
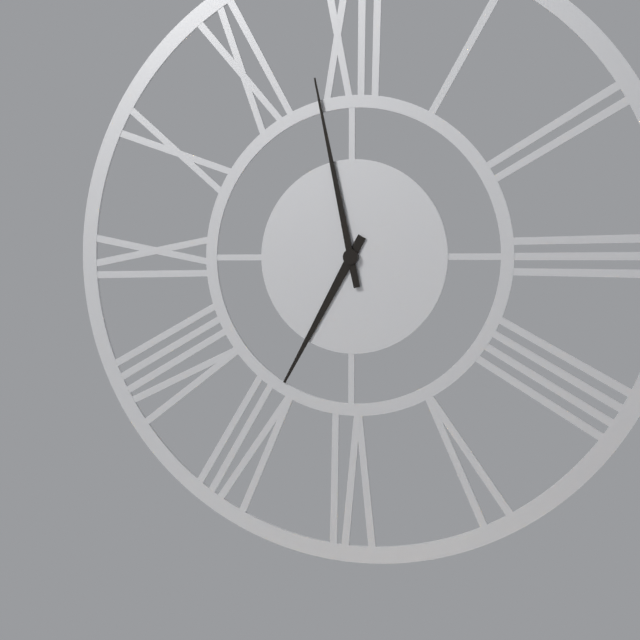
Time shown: {"hour": 6, "minute": 58}
